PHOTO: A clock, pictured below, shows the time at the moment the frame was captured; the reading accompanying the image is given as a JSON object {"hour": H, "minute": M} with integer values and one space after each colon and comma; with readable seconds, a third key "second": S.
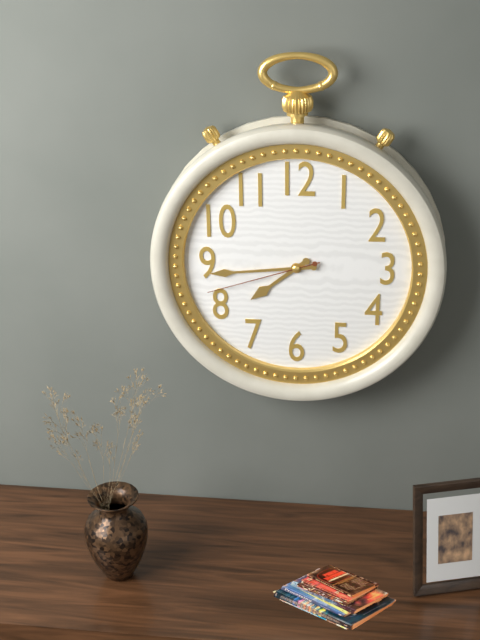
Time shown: {"hour": 7, "minute": 44, "second": 42}
